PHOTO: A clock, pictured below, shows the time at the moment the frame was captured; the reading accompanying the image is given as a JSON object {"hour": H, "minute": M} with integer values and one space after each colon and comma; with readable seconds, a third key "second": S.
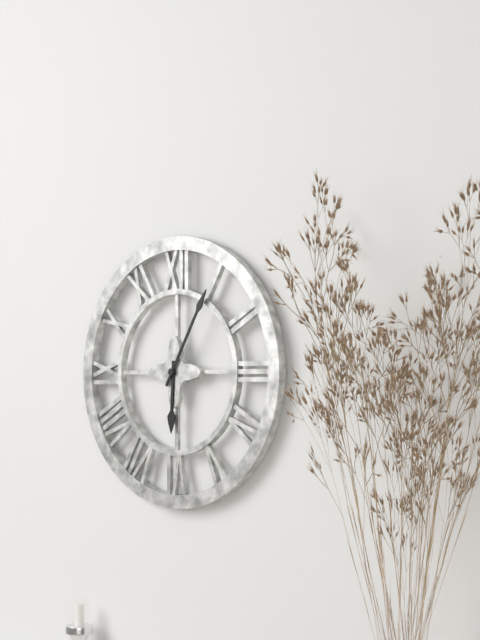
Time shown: {"hour": 6, "minute": 5}
